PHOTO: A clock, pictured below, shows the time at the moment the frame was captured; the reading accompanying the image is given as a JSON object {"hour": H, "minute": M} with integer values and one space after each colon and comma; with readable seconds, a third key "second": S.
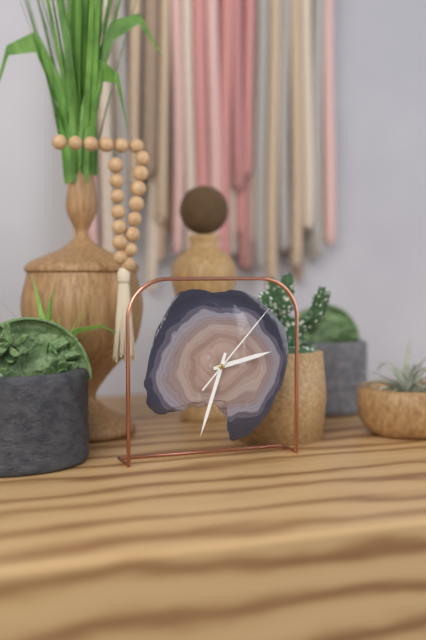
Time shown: {"hour": 2, "minute": 33, "second": 7}
